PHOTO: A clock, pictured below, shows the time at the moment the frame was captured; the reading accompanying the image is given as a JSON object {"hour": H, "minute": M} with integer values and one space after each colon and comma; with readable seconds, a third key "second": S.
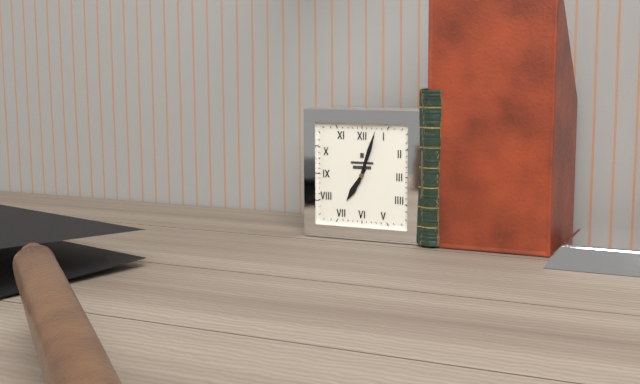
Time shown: {"hour": 7, "minute": 3}
